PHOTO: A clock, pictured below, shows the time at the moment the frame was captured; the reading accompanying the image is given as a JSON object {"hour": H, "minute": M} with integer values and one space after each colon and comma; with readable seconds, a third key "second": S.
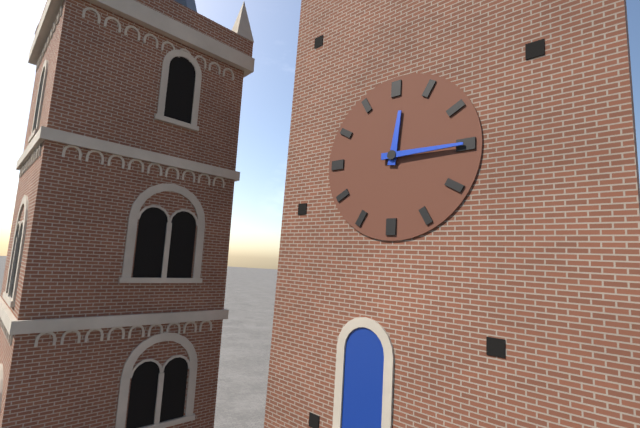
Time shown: {"hour": 12, "minute": 15}
